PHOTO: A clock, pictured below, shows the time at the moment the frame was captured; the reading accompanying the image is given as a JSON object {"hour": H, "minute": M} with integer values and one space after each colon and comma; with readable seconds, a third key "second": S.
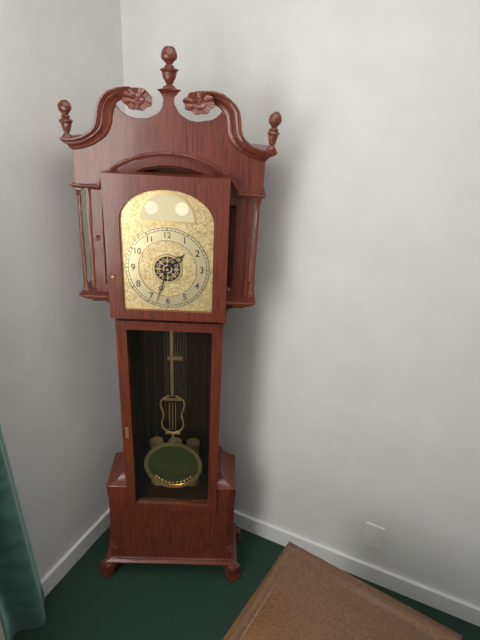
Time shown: {"hour": 1, "minute": 33}
